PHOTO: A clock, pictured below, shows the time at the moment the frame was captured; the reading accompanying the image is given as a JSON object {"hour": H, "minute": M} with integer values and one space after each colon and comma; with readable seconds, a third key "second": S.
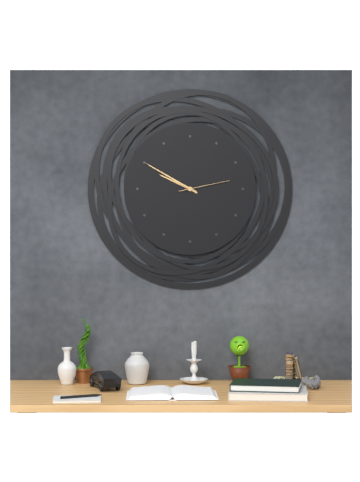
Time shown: {"hour": 9, "minute": 50, "second": 13}
